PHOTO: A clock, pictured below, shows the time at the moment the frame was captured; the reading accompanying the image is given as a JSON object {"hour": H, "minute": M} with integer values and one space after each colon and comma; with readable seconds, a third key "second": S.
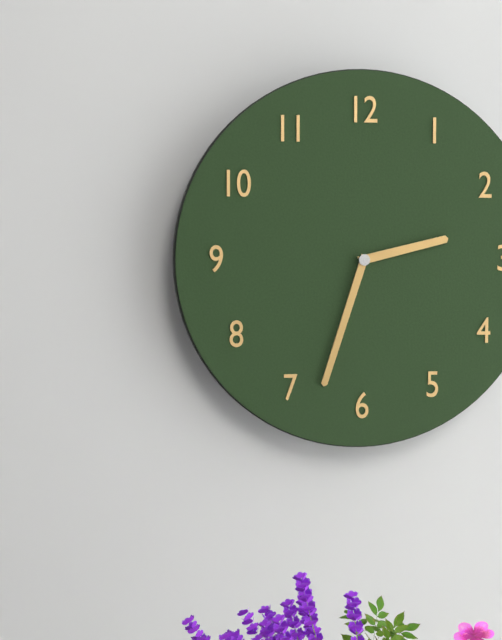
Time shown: {"hour": 2, "minute": 33}
